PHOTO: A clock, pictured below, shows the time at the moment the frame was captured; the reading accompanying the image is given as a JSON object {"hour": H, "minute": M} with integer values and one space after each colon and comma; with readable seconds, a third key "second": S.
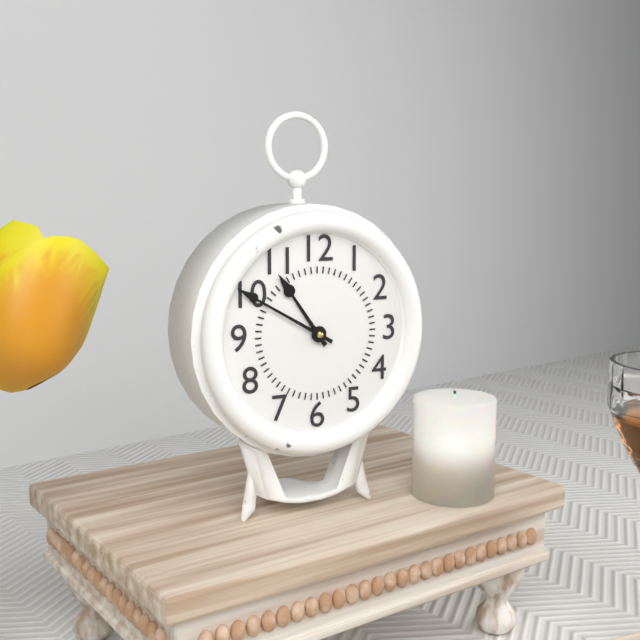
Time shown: {"hour": 10, "minute": 50}
